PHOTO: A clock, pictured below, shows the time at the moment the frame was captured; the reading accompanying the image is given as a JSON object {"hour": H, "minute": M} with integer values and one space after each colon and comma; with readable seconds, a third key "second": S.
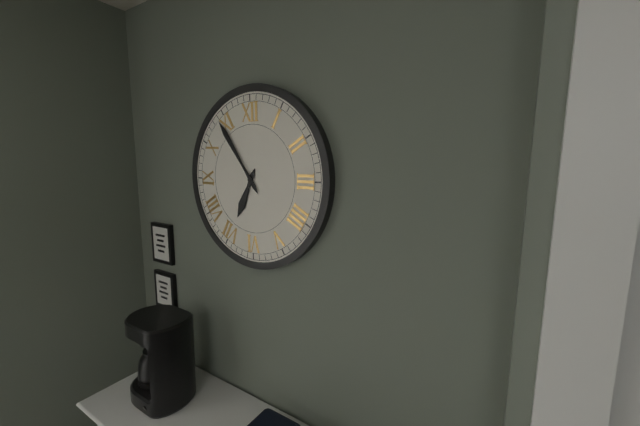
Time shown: {"hour": 6, "minute": 54}
